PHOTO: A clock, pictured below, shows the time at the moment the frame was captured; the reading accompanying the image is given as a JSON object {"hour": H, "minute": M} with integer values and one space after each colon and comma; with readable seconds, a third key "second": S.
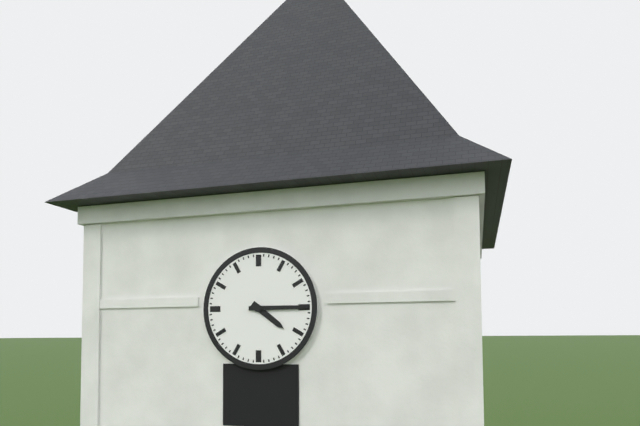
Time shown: {"hour": 4, "minute": 15}
